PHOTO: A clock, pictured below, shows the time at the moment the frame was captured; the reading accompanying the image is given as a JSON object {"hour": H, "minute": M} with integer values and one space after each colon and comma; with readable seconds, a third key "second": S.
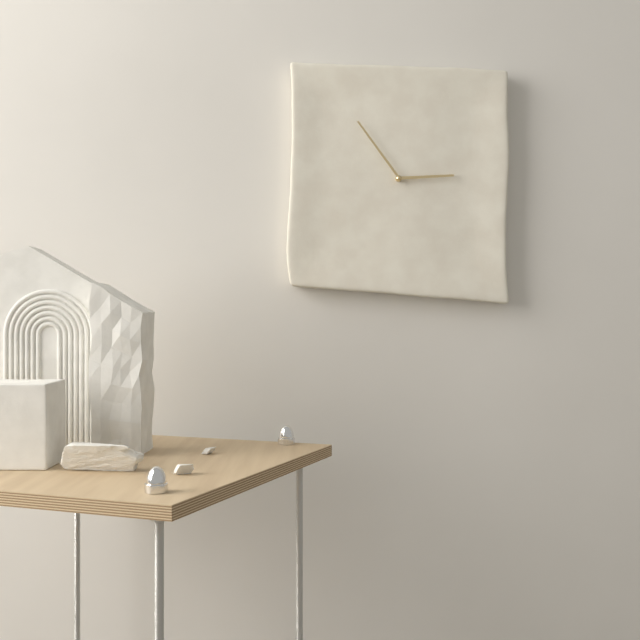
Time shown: {"hour": 2, "minute": 54}
